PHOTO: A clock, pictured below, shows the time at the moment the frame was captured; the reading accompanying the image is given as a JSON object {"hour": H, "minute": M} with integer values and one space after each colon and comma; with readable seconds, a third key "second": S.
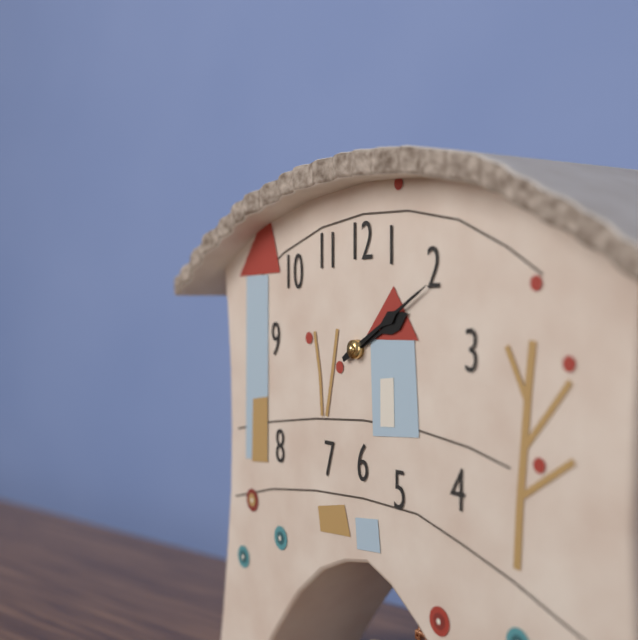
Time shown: {"hour": 2, "minute": 10}
